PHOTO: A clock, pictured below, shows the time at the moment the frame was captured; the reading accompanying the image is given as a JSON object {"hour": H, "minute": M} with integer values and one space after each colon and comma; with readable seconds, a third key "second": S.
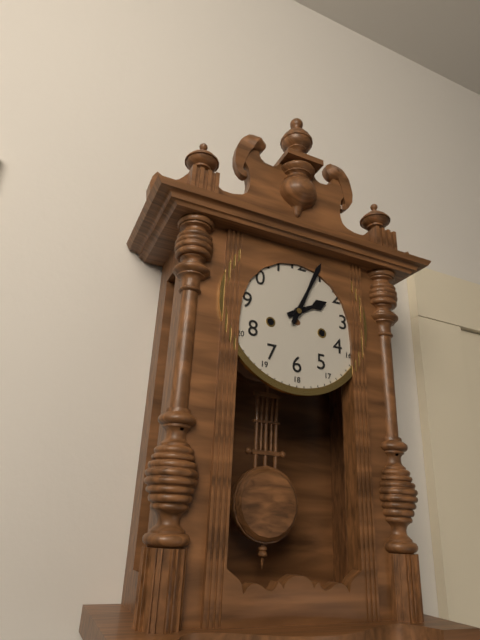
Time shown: {"hour": 2, "minute": 4}
